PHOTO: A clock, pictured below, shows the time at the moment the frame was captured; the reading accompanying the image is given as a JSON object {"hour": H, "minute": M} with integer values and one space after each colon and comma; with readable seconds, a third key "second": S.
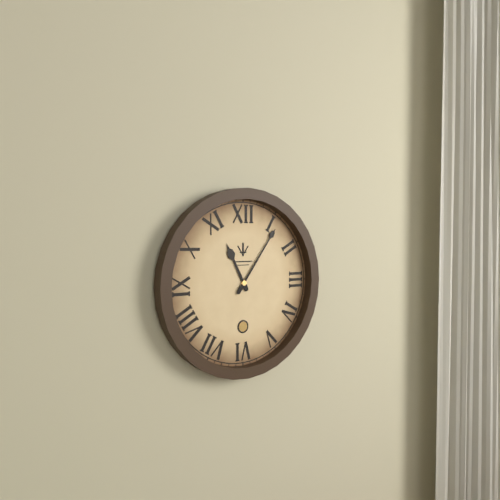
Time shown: {"hour": 11, "minute": 6}
